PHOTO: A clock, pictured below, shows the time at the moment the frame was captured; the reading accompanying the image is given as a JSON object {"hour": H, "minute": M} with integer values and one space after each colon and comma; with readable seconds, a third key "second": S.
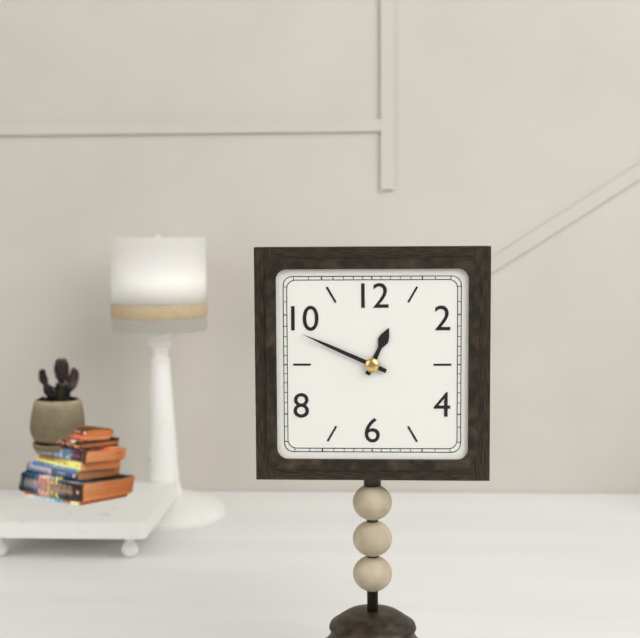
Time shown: {"hour": 12, "minute": 49}
